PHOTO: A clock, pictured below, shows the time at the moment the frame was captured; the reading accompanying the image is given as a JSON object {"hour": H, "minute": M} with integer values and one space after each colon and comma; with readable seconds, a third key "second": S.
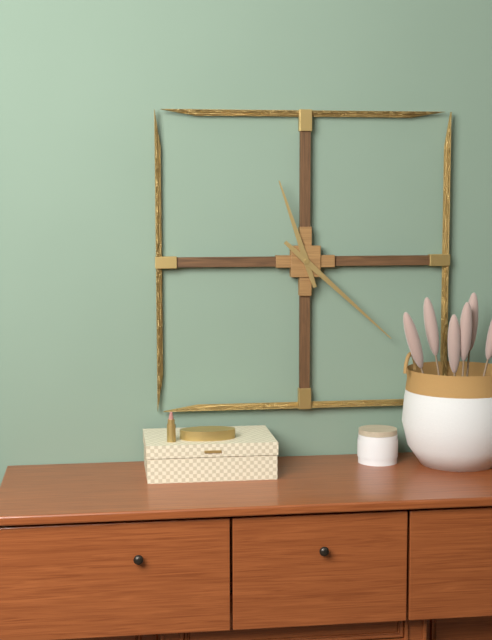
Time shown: {"hour": 11, "minute": 22}
